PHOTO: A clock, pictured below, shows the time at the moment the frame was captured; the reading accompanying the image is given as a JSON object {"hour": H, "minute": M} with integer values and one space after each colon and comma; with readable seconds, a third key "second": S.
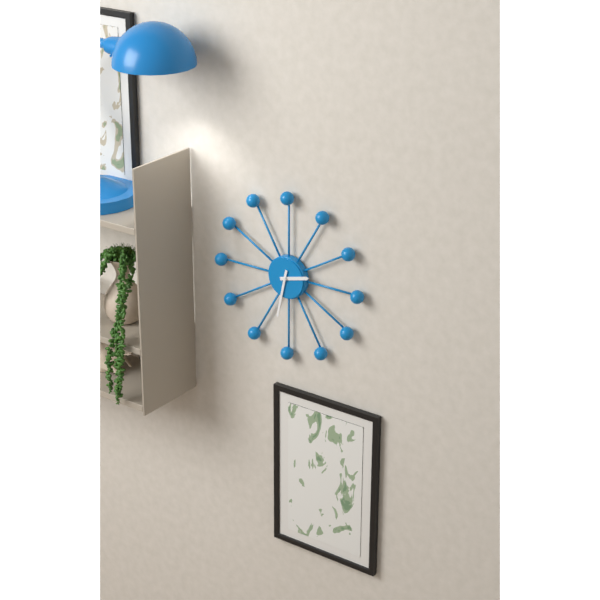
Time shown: {"hour": 2, "minute": 32}
